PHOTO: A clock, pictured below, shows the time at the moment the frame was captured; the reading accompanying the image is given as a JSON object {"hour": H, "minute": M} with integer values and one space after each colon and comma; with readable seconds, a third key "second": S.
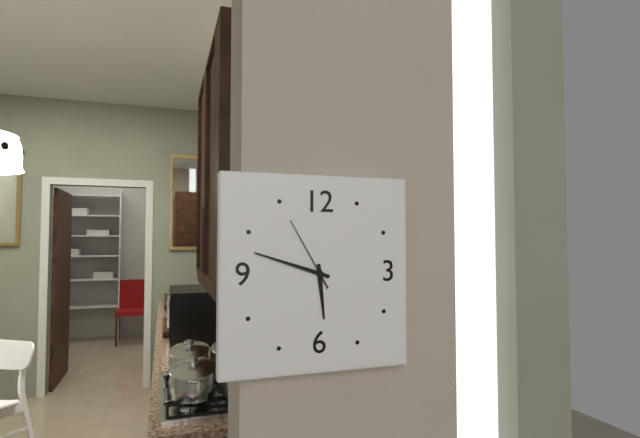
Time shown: {"hour": 5, "minute": 48, "second": 55}
